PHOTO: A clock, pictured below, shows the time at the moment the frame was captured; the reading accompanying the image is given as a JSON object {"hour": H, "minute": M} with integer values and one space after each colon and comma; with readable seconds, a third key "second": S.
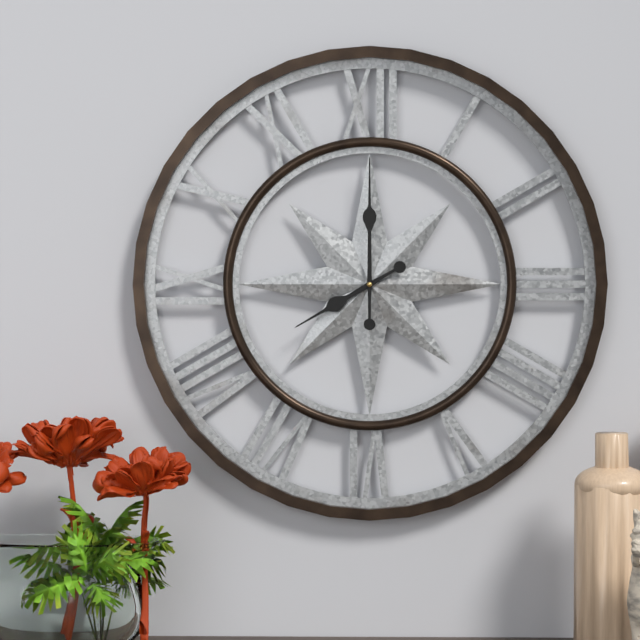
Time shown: {"hour": 8, "minute": 0}
